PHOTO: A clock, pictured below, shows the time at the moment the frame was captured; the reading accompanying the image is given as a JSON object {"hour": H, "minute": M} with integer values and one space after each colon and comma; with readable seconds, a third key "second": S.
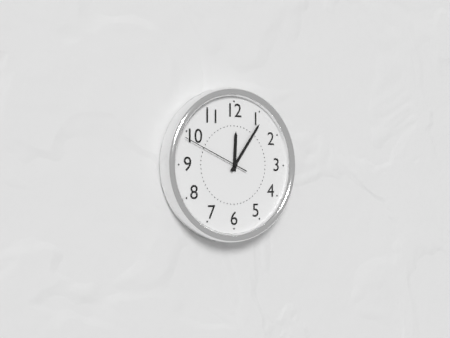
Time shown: {"hour": 12, "minute": 6, "second": 49}
